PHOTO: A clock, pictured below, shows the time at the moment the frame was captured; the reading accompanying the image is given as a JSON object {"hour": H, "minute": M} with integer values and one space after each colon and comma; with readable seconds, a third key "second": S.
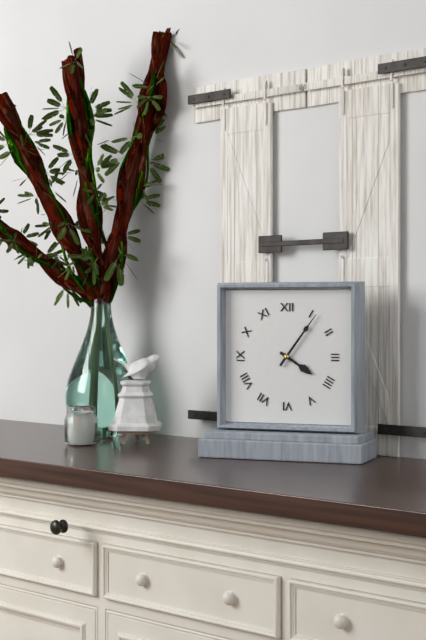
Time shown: {"hour": 4, "minute": 6}
